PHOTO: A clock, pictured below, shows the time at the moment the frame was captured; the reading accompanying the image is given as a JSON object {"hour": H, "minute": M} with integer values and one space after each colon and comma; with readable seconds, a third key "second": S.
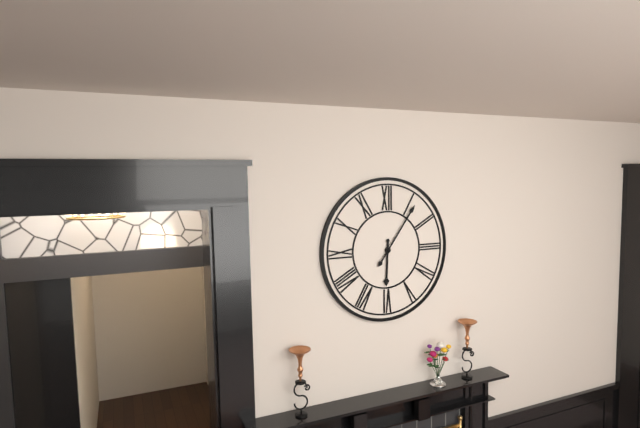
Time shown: {"hour": 6, "minute": 6}
